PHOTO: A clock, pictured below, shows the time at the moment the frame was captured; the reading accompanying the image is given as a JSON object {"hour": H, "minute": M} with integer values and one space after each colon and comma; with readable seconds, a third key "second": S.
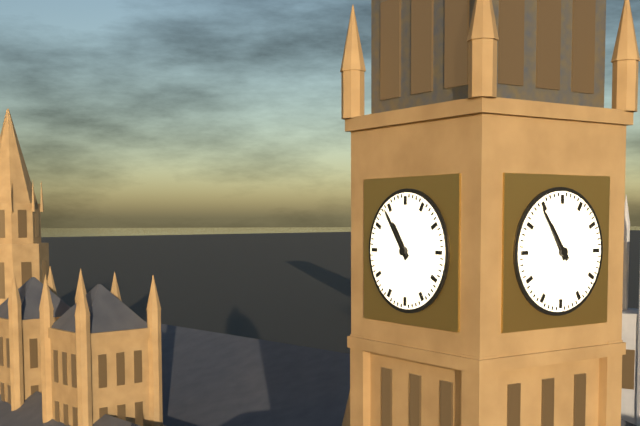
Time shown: {"hour": 10, "minute": 54}
